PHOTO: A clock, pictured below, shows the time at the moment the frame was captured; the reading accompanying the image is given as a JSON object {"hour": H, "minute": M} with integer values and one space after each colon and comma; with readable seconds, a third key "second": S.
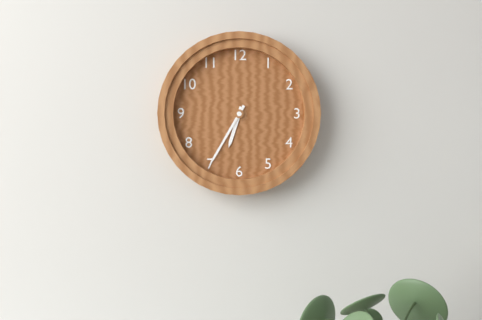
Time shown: {"hour": 6, "minute": 35}
